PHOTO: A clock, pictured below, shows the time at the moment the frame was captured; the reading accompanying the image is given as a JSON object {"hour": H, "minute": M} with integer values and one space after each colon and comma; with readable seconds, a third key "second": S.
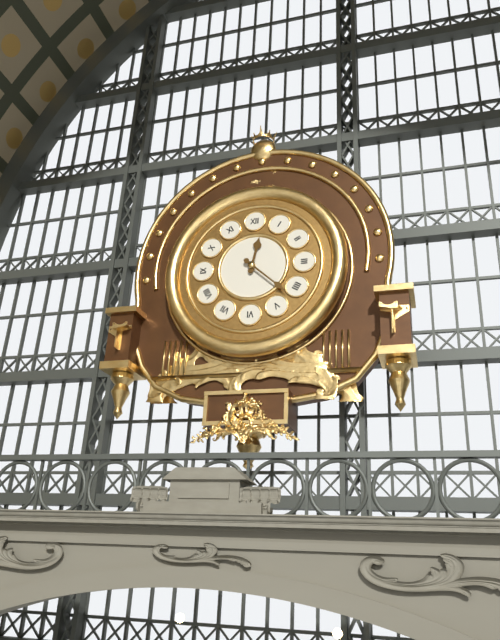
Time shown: {"hour": 12, "minute": 22}
